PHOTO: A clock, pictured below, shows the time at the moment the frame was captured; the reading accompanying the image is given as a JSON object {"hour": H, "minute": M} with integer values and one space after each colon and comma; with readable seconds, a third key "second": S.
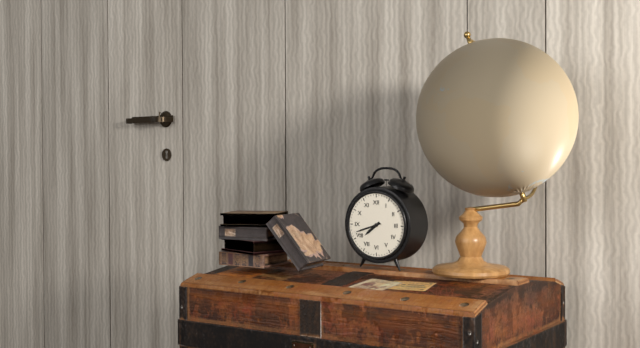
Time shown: {"hour": 7, "minute": 42}
